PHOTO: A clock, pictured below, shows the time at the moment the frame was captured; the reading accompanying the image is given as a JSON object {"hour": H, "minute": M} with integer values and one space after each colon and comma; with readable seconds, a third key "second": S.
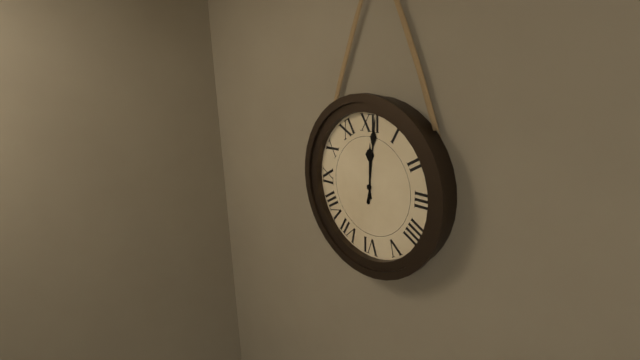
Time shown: {"hour": 12, "minute": 1}
